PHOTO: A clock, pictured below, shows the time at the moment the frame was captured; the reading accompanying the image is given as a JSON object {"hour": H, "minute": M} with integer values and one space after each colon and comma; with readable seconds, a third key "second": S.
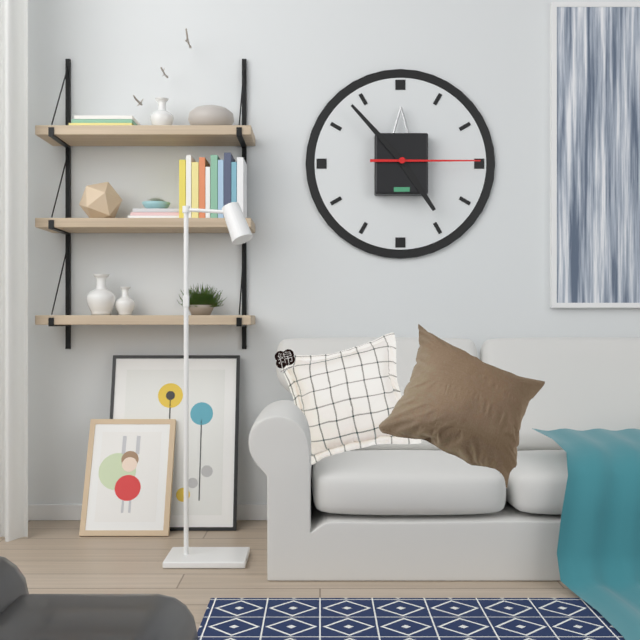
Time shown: {"hour": 4, "minute": 53, "second": 15}
